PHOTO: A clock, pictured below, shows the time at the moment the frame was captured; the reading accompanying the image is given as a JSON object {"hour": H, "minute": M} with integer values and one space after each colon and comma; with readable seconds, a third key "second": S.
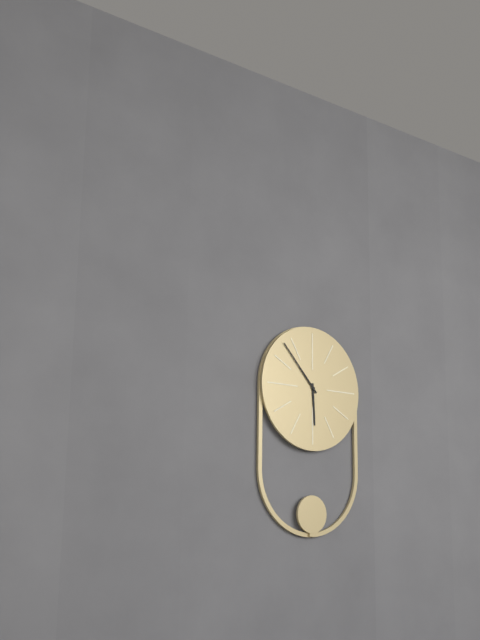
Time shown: {"hour": 5, "minute": 53}
